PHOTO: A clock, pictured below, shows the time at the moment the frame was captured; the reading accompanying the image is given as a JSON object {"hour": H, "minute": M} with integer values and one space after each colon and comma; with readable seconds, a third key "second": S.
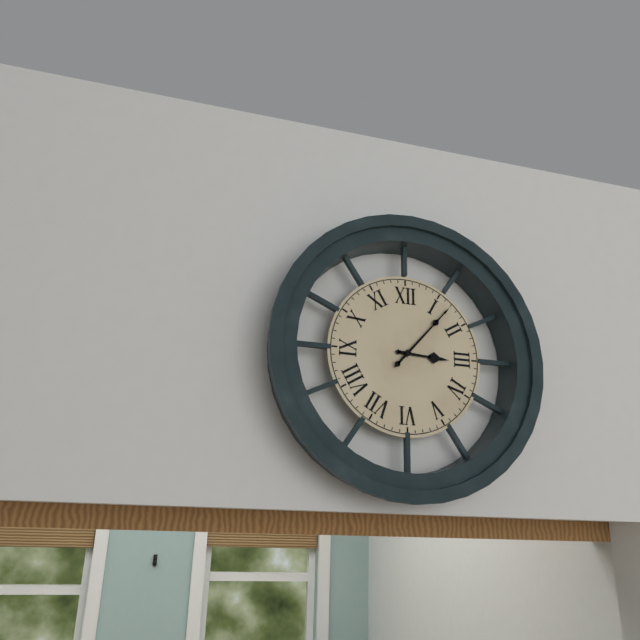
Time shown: {"hour": 3, "minute": 7}
